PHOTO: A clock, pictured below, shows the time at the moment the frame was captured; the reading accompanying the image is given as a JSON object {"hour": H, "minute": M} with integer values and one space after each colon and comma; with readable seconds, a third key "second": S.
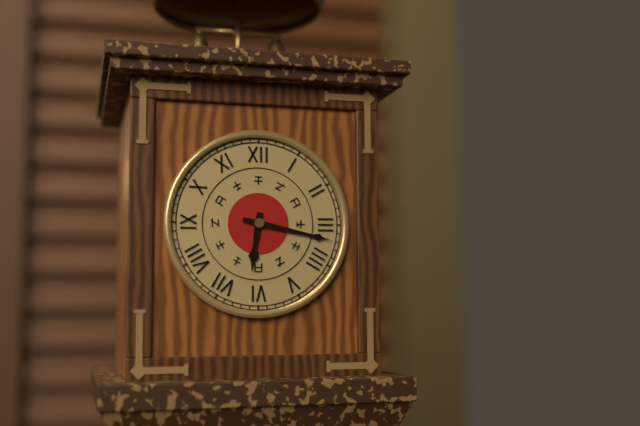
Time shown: {"hour": 6, "minute": 17}
